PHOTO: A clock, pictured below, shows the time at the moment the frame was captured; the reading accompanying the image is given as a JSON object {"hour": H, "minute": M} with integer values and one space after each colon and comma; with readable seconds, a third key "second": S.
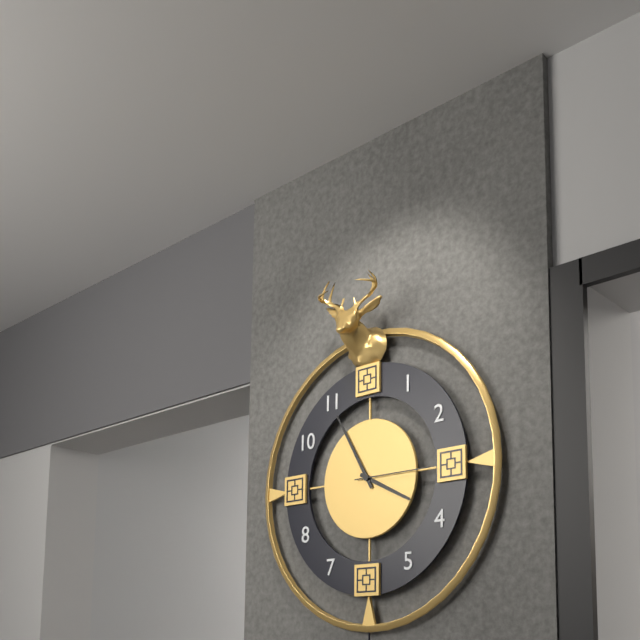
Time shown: {"hour": 3, "minute": 55, "second": 15}
